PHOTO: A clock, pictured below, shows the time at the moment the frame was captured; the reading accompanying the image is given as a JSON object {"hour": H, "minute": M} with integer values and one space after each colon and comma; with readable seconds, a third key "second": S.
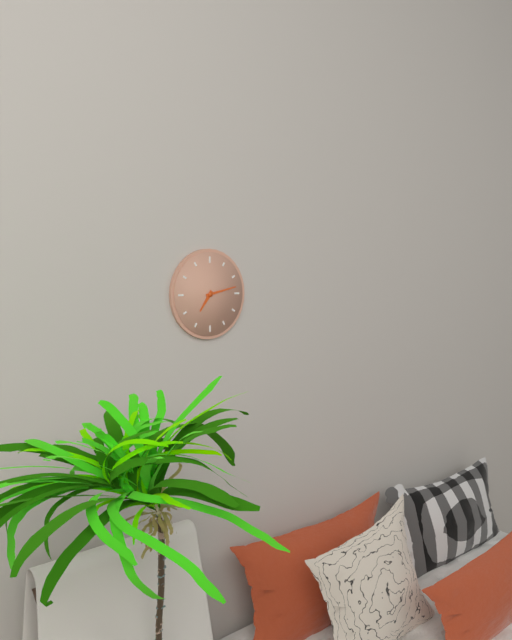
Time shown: {"hour": 7, "minute": 13}
